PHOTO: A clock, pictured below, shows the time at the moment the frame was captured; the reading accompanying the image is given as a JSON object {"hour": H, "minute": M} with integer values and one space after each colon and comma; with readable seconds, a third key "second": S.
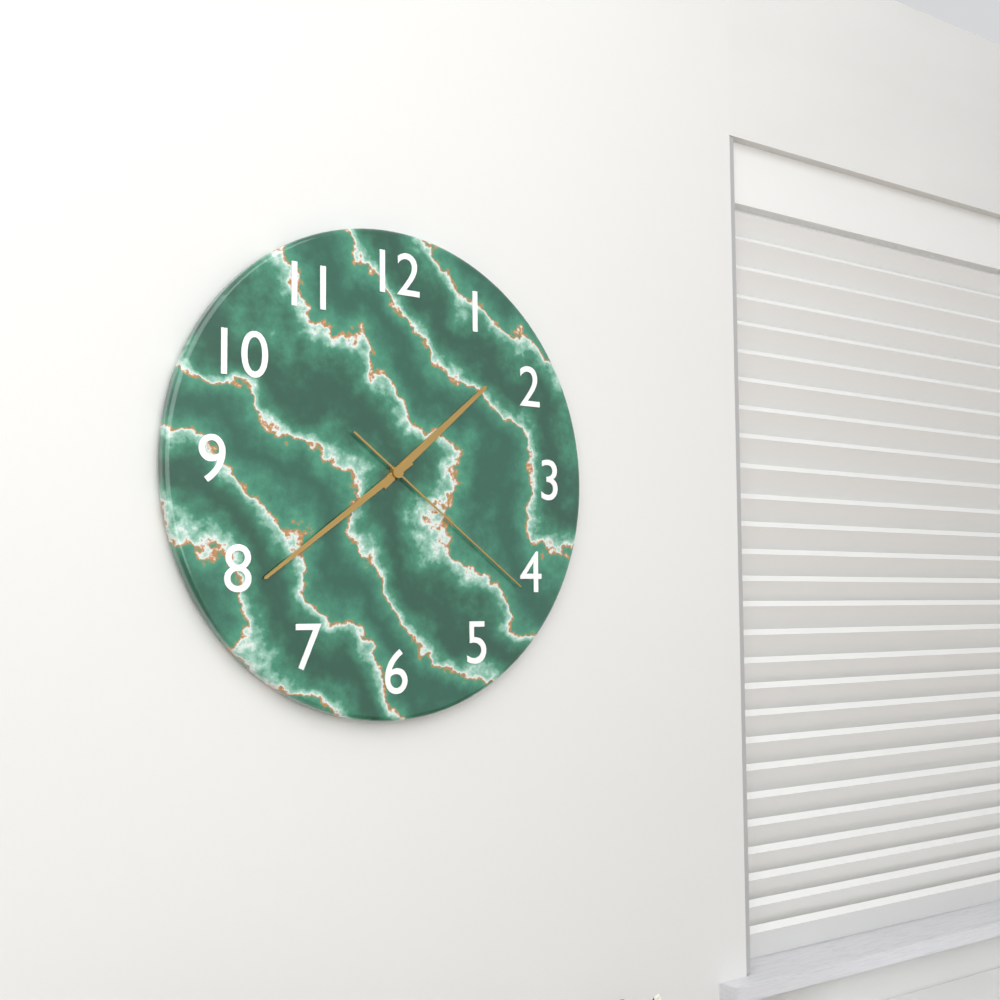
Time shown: {"hour": 1, "minute": 39, "second": 21}
